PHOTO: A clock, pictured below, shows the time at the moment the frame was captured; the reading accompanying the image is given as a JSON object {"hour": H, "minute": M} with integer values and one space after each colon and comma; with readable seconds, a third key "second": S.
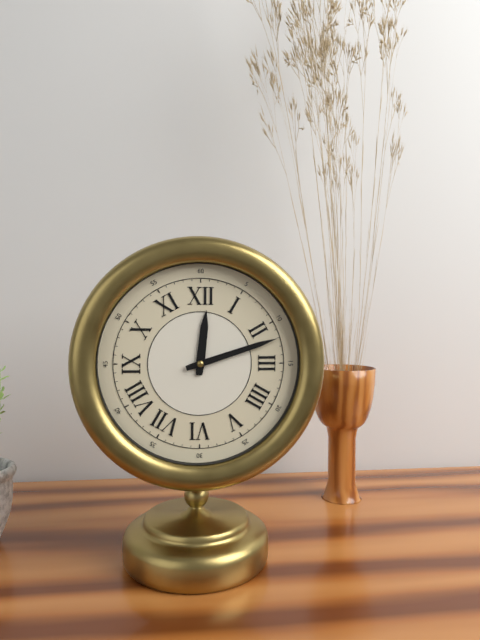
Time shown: {"hour": 12, "minute": 12}
